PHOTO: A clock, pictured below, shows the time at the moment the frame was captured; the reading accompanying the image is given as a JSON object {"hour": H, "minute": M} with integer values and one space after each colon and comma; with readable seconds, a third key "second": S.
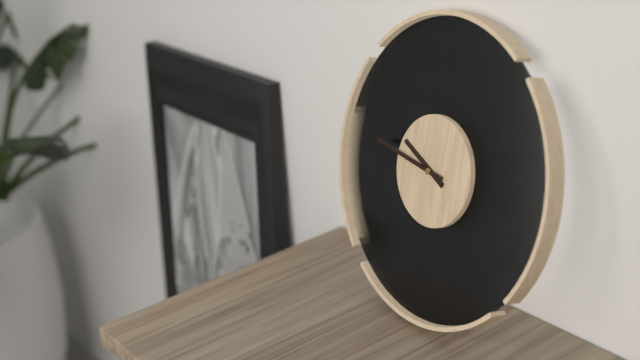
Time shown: {"hour": 9, "minute": 46}
